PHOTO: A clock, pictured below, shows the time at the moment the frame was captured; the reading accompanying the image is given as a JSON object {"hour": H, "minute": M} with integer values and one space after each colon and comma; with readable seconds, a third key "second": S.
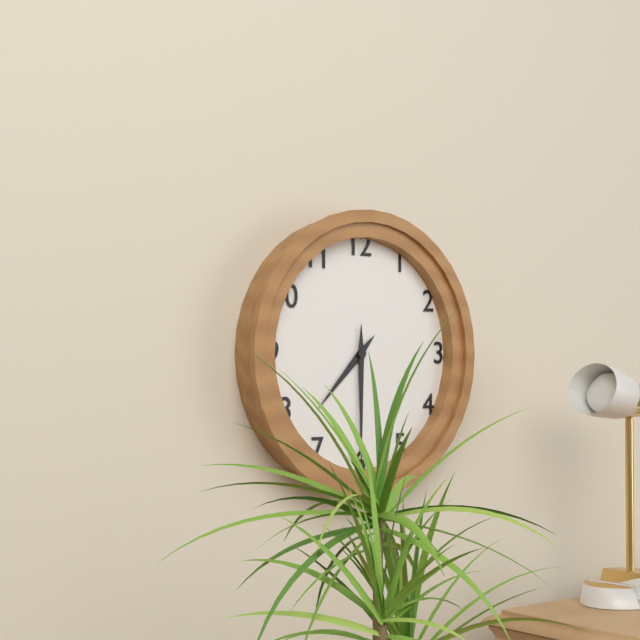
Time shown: {"hour": 7, "minute": 30}
